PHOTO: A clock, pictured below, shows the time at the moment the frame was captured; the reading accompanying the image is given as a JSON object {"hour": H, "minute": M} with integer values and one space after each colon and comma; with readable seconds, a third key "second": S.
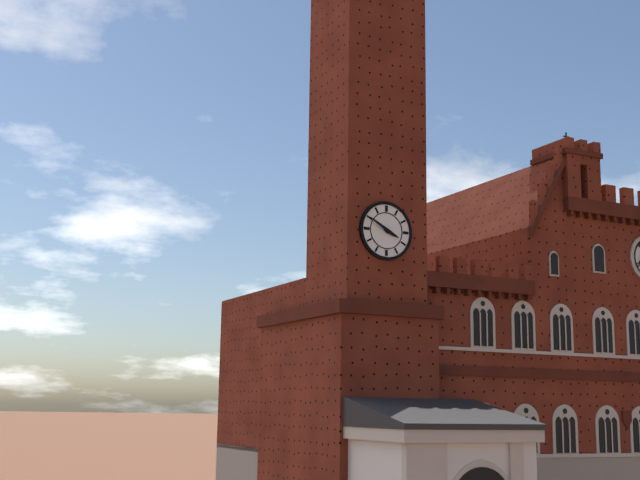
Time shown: {"hour": 3, "minute": 50}
